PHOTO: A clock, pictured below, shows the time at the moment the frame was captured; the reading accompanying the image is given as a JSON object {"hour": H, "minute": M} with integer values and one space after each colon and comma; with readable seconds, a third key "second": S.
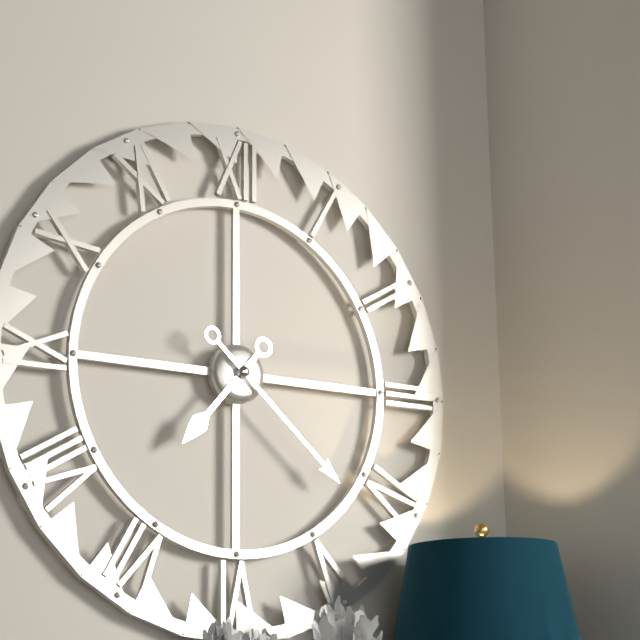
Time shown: {"hour": 7, "minute": 22}
